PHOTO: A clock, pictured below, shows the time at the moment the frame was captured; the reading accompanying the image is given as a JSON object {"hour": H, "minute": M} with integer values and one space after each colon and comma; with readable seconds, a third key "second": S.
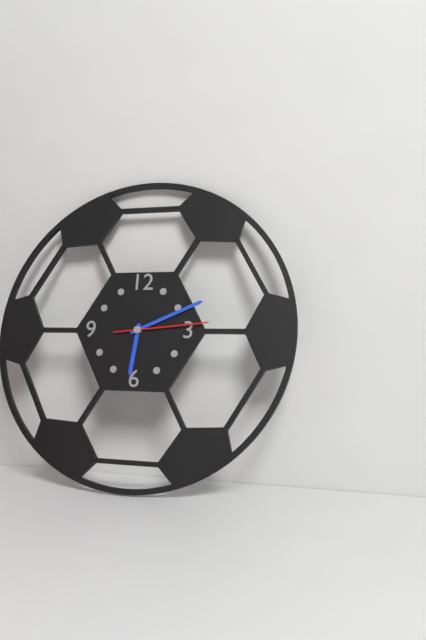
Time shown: {"hour": 6, "minute": 11, "second": 14}
